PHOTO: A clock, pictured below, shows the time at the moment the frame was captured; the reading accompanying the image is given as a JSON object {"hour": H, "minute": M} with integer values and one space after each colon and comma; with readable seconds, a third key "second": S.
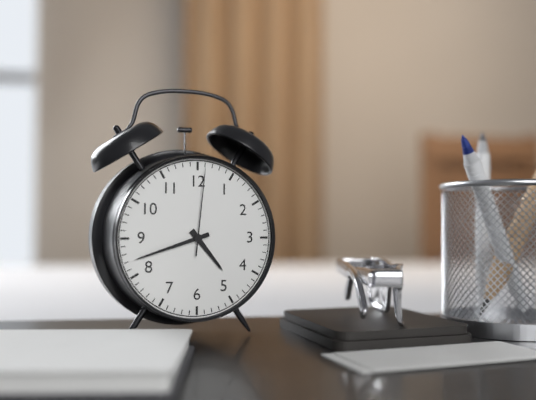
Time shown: {"hour": 4, "minute": 42, "second": 1}
